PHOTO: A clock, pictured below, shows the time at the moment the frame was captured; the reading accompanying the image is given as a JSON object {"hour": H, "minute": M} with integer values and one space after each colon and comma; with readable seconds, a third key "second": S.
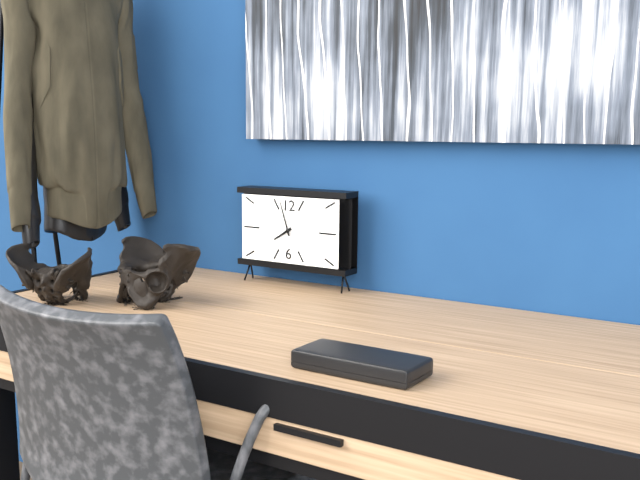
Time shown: {"hour": 7, "minute": 57}
